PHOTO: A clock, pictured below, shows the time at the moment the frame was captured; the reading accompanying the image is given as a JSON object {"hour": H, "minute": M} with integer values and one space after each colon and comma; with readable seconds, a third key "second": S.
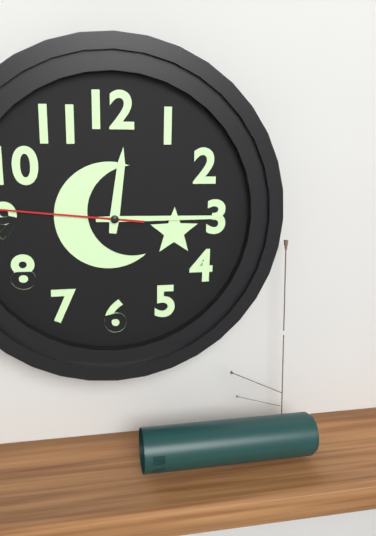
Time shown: {"hour": 12, "minute": 15}
